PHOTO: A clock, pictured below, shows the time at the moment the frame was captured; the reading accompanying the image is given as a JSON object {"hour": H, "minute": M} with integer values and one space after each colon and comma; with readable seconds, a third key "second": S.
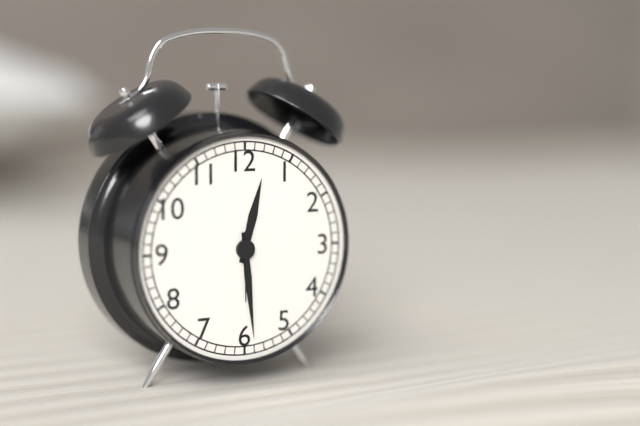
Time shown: {"hour": 12, "minute": 29, "second": 30}
